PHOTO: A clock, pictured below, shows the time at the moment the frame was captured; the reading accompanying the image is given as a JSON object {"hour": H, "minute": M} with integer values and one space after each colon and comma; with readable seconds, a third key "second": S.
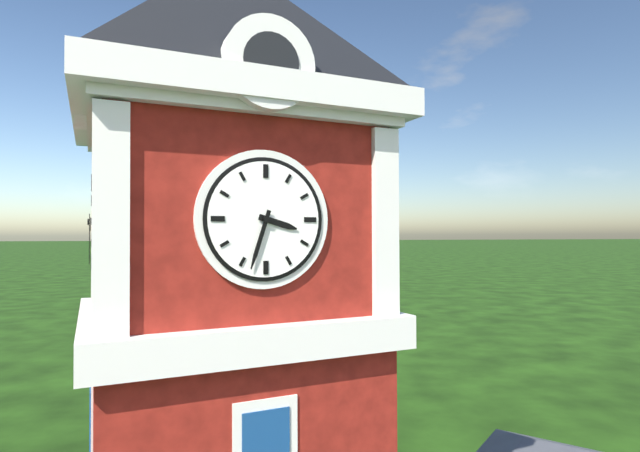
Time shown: {"hour": 3, "minute": 33}
